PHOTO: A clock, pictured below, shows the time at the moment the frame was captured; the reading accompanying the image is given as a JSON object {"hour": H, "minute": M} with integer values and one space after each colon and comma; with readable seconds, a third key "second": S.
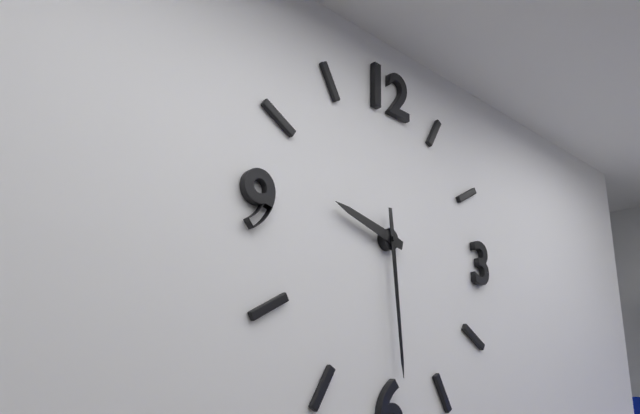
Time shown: {"hour": 9, "minute": 29}
